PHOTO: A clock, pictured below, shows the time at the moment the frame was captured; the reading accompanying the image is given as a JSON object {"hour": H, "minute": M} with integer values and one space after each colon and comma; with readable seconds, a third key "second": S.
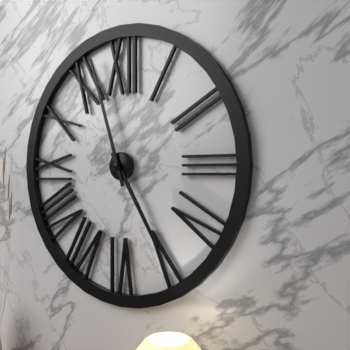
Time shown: {"hour": 4, "minute": 57}
